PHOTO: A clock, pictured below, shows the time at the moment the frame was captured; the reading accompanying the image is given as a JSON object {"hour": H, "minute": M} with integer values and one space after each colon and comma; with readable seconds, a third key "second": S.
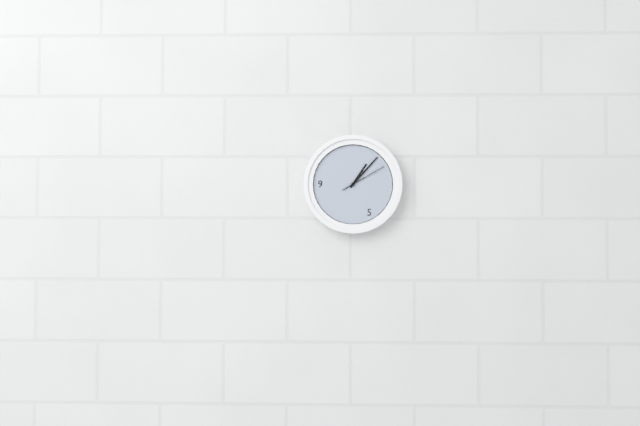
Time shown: {"hour": 1, "minute": 7}
